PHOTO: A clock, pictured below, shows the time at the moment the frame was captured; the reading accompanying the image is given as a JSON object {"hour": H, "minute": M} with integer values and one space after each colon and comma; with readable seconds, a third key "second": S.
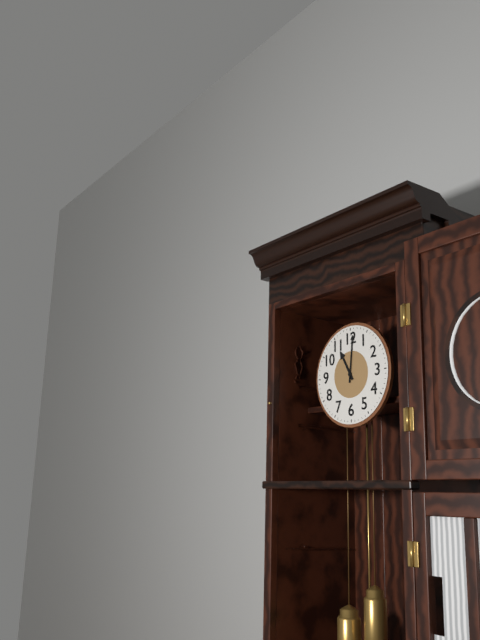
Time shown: {"hour": 11, "minute": 1}
